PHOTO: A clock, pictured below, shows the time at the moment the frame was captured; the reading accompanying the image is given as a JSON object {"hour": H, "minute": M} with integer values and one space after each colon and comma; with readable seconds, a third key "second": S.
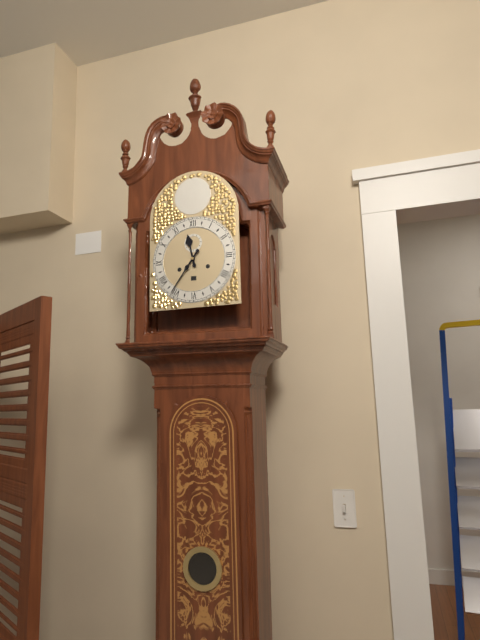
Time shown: {"hour": 11, "minute": 36}
